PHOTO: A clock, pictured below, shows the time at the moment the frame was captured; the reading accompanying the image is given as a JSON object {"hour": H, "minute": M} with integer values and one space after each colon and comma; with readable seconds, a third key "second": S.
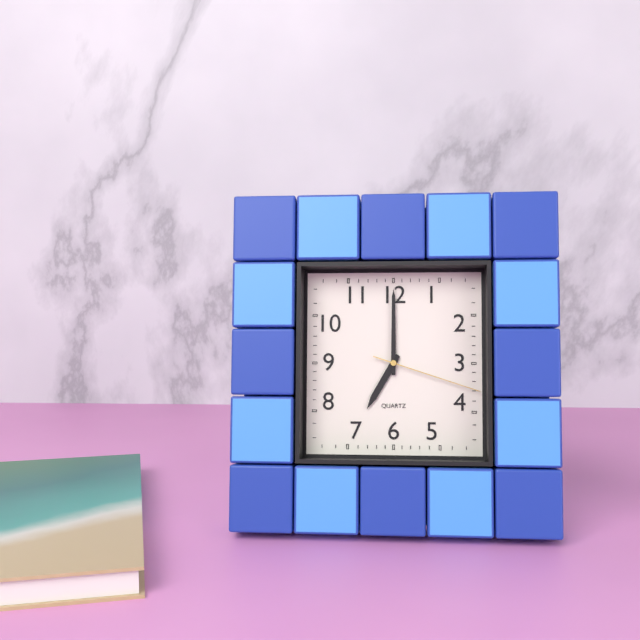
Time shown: {"hour": 7, "minute": 0, "second": 18}
